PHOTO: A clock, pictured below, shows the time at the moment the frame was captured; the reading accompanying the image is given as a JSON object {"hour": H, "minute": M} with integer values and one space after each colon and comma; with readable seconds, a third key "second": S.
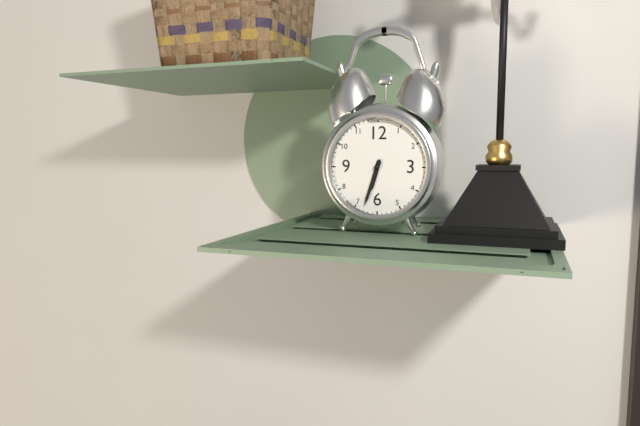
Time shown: {"hour": 6, "minute": 33}
